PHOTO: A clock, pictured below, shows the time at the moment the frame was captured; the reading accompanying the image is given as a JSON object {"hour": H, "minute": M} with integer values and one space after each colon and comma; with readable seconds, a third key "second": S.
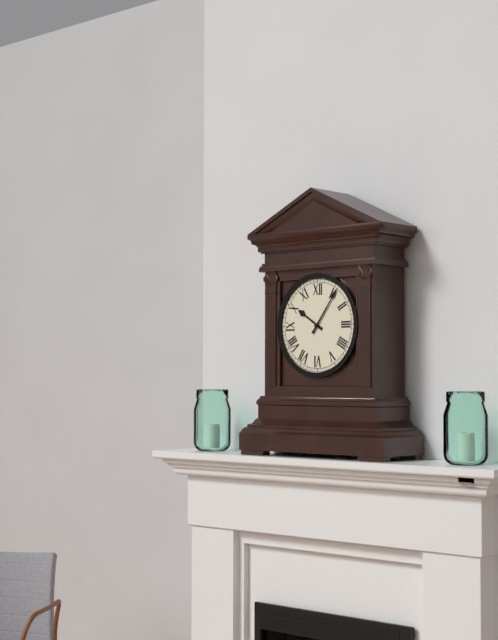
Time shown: {"hour": 10, "minute": 6}
